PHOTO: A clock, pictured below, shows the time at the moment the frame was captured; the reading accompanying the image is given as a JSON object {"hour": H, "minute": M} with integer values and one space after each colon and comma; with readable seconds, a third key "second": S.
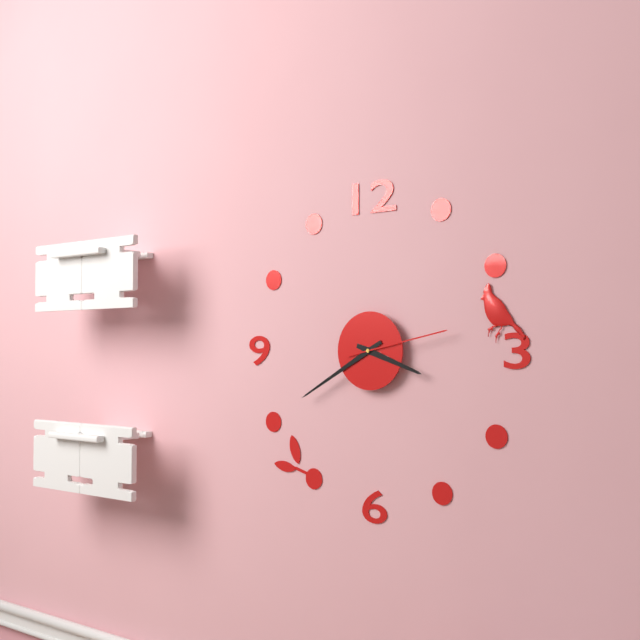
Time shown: {"hour": 3, "minute": 40, "second": 13}
